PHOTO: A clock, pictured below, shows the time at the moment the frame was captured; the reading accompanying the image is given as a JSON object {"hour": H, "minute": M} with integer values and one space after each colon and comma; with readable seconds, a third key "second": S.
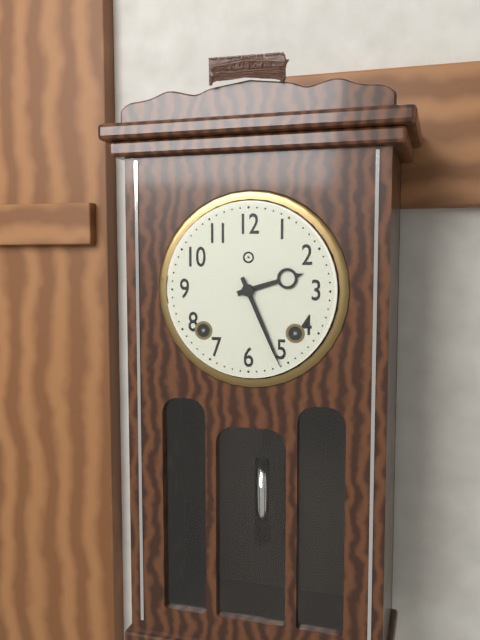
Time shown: {"hour": 2, "minute": 26}
